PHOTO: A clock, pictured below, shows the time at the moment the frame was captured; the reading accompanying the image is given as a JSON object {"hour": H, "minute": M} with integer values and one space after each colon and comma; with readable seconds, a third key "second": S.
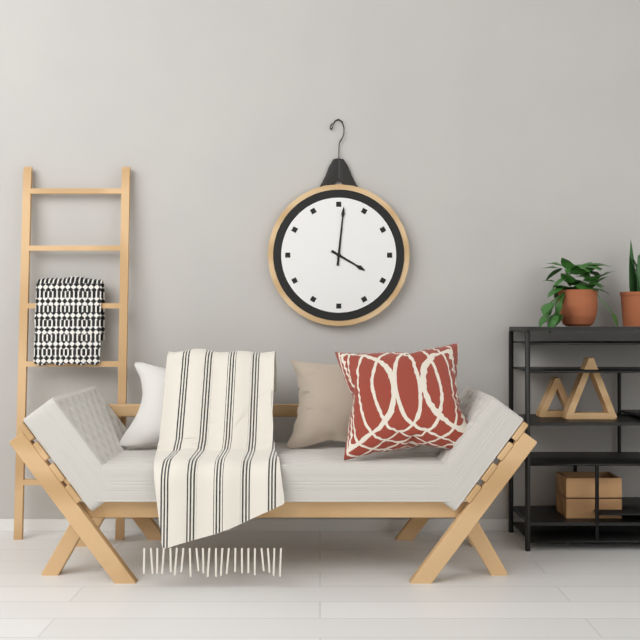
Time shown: {"hour": 4, "minute": 1}
